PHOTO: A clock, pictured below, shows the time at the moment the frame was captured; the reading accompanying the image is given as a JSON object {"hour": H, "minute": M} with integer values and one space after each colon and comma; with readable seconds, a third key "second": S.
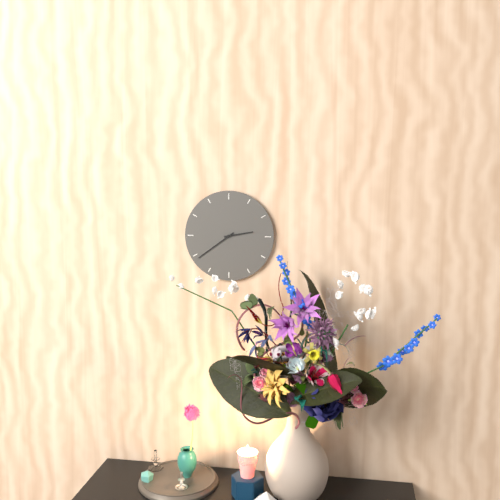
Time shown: {"hour": 2, "minute": 39}
